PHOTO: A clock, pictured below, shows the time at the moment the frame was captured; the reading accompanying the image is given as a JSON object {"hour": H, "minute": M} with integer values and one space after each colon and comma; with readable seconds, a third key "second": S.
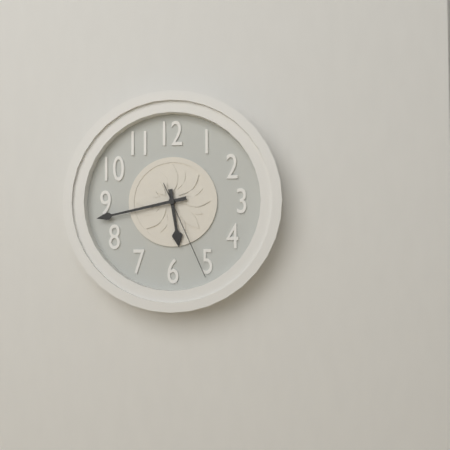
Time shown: {"hour": 5, "minute": 43, "second": 26}
